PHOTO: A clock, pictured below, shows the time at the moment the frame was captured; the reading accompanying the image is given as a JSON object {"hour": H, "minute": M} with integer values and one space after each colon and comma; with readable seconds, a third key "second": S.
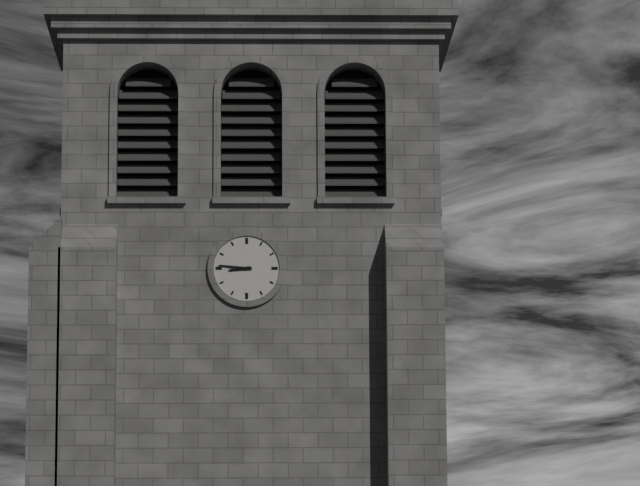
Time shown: {"hour": 8, "minute": 46}
